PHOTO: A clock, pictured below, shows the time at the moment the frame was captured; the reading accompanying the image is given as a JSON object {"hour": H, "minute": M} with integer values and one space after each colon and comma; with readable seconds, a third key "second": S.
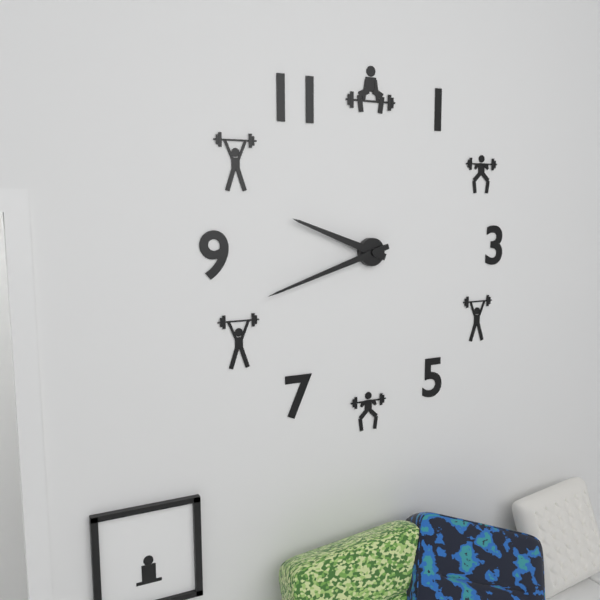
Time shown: {"hour": 9, "minute": 42}
